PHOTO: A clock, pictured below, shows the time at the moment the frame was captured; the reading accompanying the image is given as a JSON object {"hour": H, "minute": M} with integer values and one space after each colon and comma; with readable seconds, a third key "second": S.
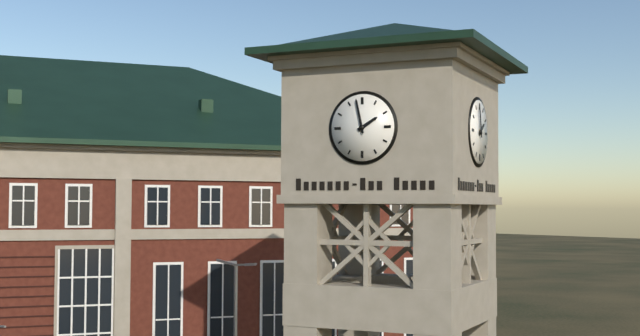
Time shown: {"hour": 1, "minute": 58}
